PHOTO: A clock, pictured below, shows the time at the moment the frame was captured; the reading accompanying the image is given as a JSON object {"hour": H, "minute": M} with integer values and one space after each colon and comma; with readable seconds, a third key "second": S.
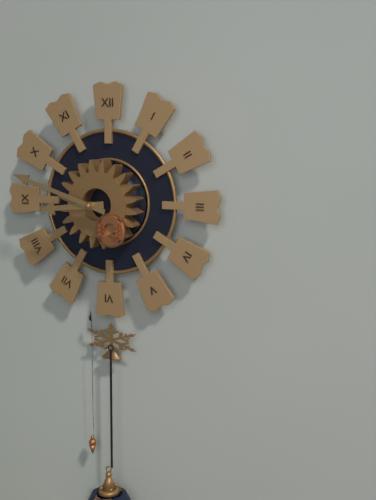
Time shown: {"hour": 8, "minute": 48}
